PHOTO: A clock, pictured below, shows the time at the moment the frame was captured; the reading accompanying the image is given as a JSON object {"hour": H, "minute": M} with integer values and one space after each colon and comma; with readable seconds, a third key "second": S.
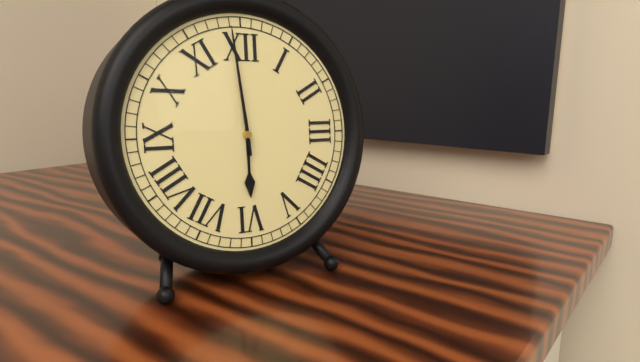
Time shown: {"hour": 5, "minute": 59}
